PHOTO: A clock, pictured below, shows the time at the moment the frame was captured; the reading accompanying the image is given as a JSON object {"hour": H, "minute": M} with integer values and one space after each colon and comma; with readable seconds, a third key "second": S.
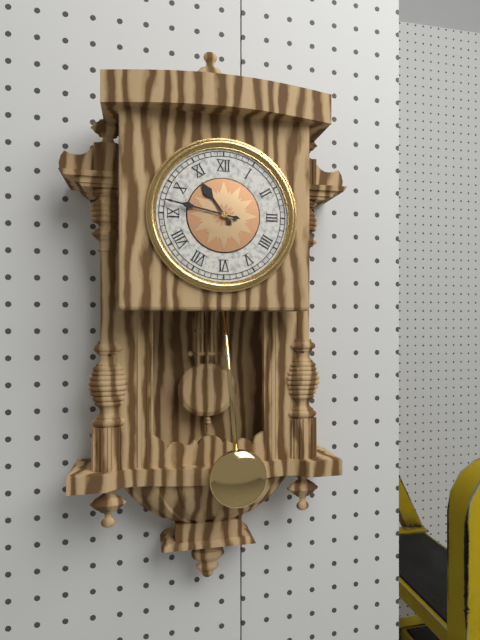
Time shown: {"hour": 10, "minute": 47}
